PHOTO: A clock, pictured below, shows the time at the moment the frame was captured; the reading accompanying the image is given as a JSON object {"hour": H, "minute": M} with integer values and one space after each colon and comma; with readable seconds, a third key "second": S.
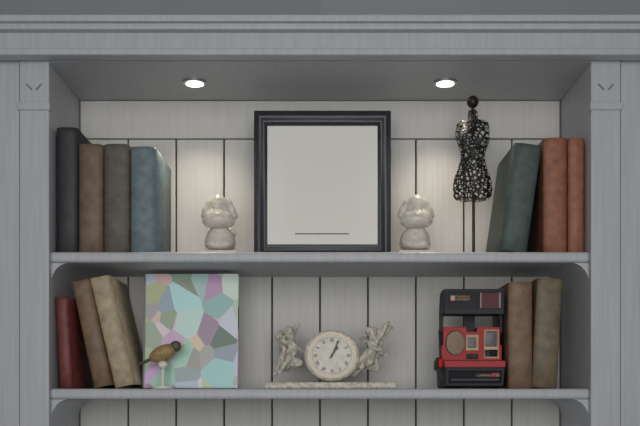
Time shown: {"hour": 1, "minute": 4}
